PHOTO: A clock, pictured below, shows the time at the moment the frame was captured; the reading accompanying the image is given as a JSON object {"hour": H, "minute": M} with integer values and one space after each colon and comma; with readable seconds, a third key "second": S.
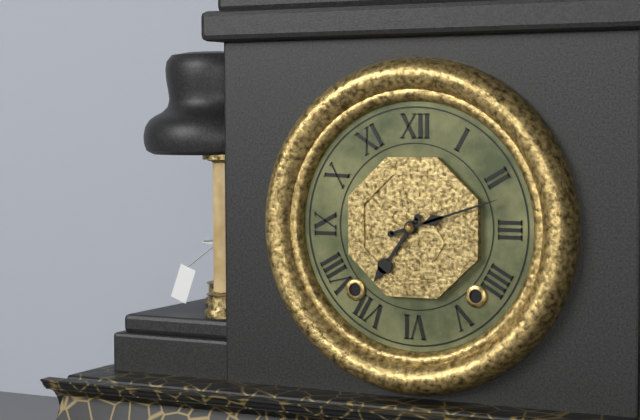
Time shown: {"hour": 7, "minute": 12}
